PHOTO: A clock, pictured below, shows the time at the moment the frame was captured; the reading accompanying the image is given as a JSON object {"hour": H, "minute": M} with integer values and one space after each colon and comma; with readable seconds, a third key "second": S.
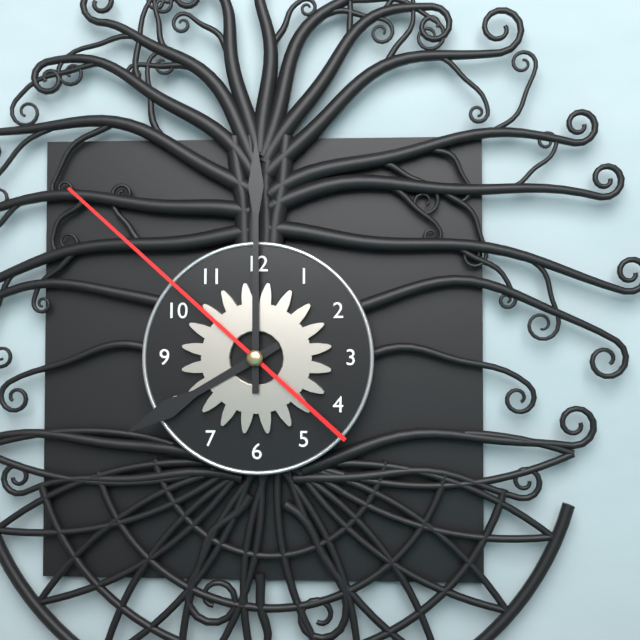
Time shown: {"hour": 8, "minute": 0, "second": 52}
